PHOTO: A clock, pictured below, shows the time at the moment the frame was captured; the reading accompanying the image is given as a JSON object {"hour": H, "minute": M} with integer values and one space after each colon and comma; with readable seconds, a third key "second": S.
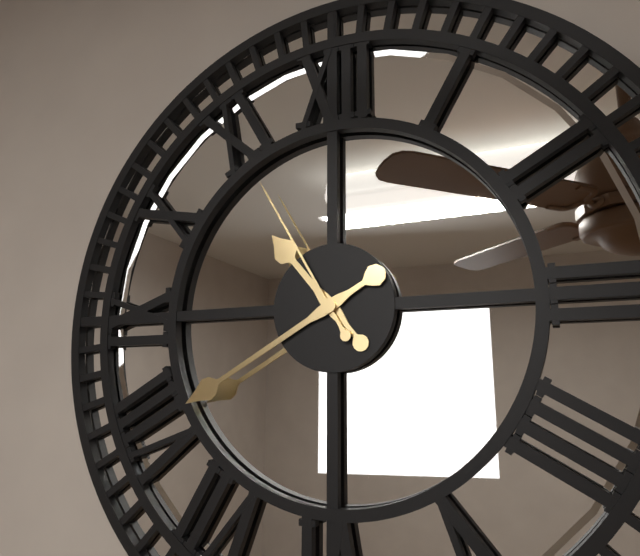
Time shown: {"hour": 10, "minute": 40, "second": 55}
